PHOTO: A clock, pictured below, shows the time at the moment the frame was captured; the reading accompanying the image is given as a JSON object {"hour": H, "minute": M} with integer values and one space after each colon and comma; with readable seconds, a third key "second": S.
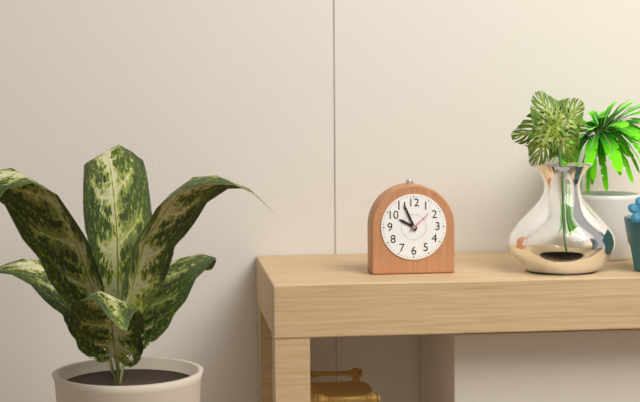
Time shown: {"hour": 9, "minute": 56}
